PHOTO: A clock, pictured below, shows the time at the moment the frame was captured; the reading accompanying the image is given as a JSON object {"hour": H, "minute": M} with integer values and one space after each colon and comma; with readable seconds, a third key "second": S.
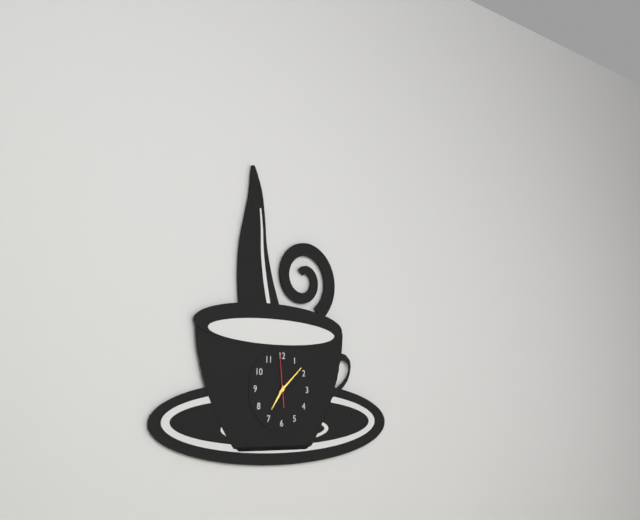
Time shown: {"hour": 7, "minute": 8}
